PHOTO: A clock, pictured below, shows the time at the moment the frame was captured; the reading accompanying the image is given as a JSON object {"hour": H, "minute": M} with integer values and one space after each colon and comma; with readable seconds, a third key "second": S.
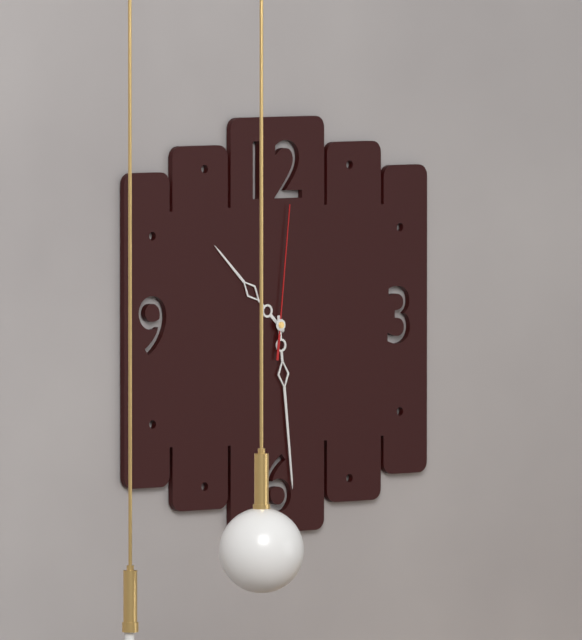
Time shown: {"hour": 10, "minute": 29, "second": 1}
